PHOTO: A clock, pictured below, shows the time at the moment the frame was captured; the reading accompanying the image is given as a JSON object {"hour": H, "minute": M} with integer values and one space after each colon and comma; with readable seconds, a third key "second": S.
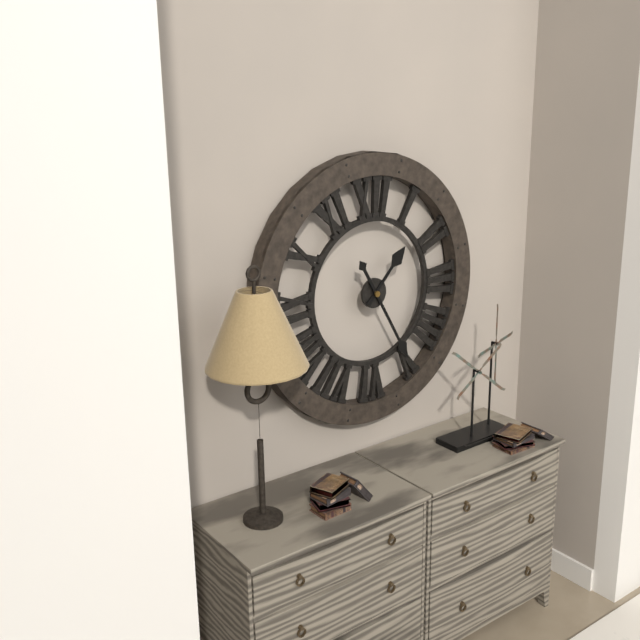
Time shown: {"hour": 1, "minute": 25}
